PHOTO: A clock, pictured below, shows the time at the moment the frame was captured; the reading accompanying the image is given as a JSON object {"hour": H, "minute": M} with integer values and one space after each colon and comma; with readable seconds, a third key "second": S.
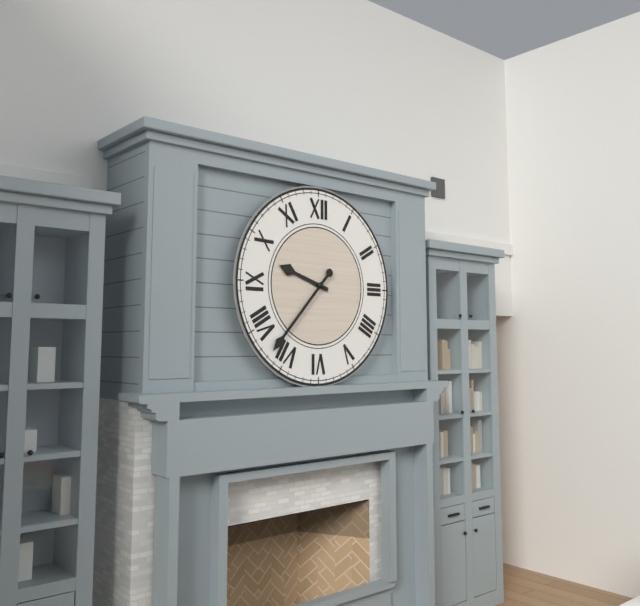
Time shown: {"hour": 9, "minute": 37}
